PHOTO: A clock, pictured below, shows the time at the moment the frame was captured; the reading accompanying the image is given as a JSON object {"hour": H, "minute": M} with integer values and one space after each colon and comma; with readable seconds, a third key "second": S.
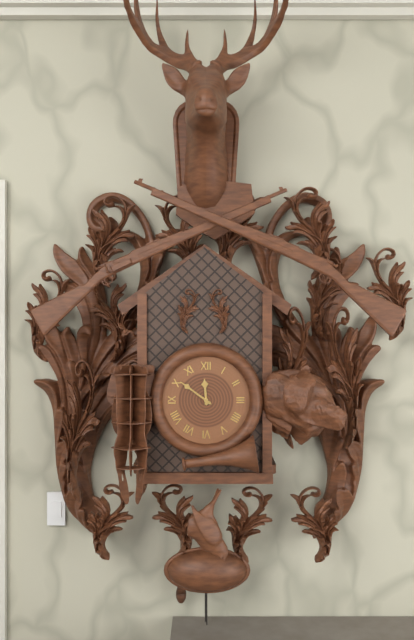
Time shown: {"hour": 11, "minute": 51}
